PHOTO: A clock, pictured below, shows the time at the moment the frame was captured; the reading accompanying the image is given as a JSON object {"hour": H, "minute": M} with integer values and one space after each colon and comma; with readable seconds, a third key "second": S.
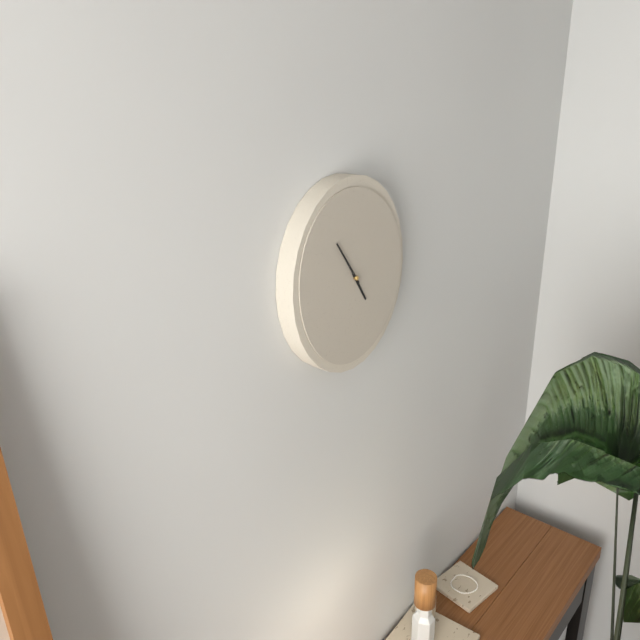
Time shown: {"hour": 4, "minute": 54}
